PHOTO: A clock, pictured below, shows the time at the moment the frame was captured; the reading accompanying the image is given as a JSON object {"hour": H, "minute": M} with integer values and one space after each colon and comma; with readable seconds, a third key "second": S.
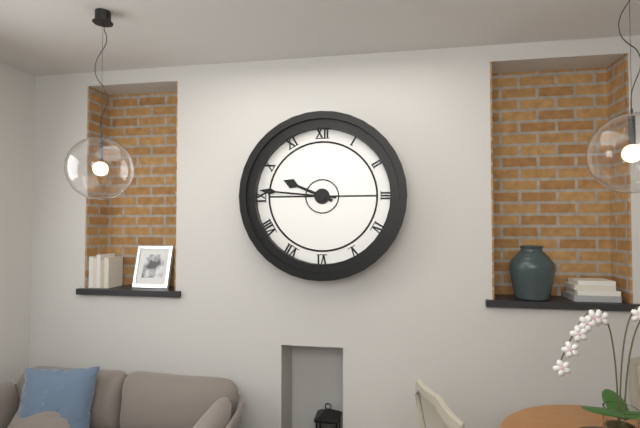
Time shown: {"hour": 9, "minute": 46}
